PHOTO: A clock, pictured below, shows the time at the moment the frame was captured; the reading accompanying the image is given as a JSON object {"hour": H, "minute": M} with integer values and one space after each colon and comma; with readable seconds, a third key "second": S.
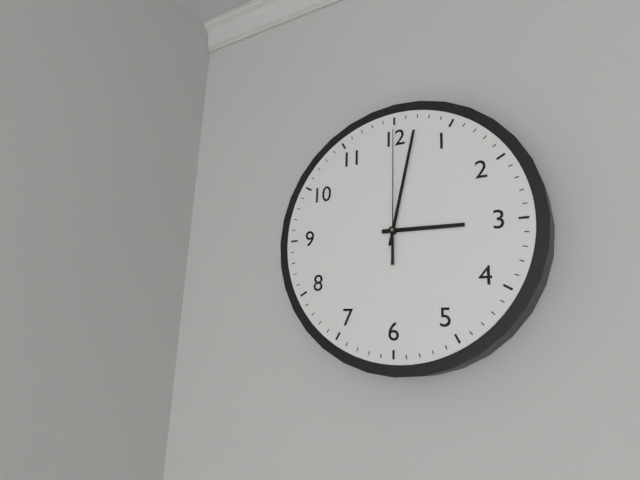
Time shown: {"hour": 3, "minute": 2, "second": 0}
